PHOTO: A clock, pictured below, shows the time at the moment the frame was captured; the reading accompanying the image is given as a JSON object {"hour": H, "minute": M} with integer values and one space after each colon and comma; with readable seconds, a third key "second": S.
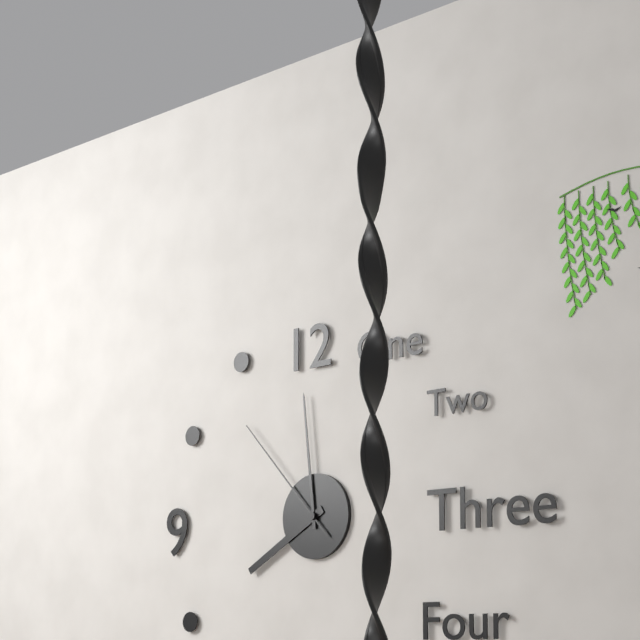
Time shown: {"hour": 7, "minute": 59, "second": 53}
